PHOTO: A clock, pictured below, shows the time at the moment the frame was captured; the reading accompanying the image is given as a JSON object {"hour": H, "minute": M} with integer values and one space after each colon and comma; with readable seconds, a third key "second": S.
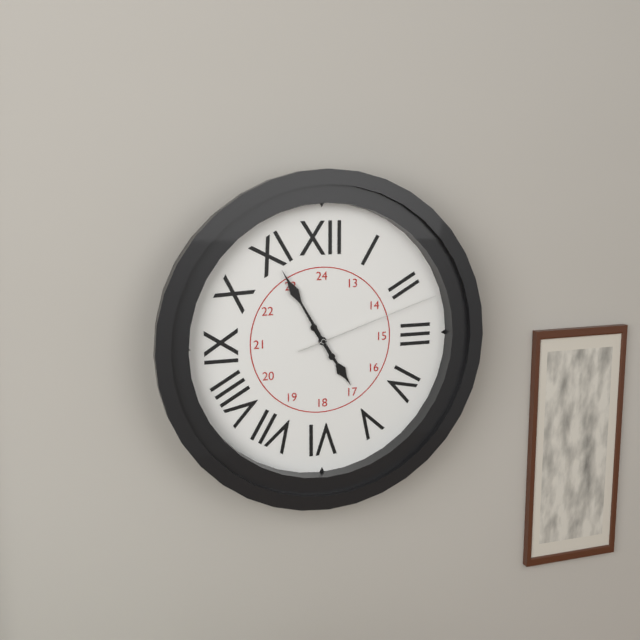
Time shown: {"hour": 4, "minute": 55, "second": 12}
